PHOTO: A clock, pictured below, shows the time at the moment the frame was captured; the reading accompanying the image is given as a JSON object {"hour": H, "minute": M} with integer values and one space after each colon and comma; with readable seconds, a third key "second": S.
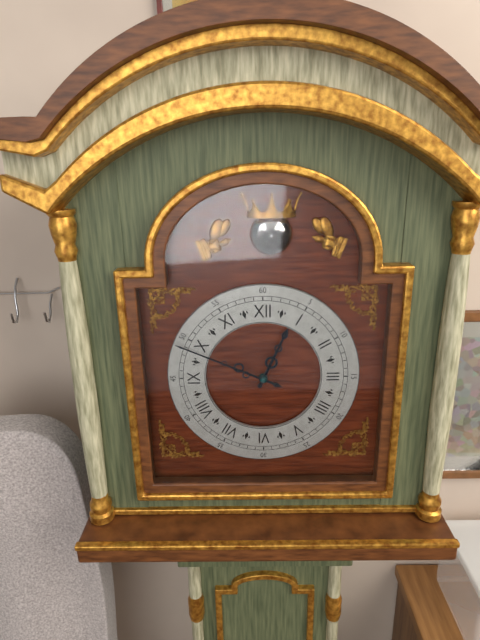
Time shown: {"hour": 12, "minute": 49}
